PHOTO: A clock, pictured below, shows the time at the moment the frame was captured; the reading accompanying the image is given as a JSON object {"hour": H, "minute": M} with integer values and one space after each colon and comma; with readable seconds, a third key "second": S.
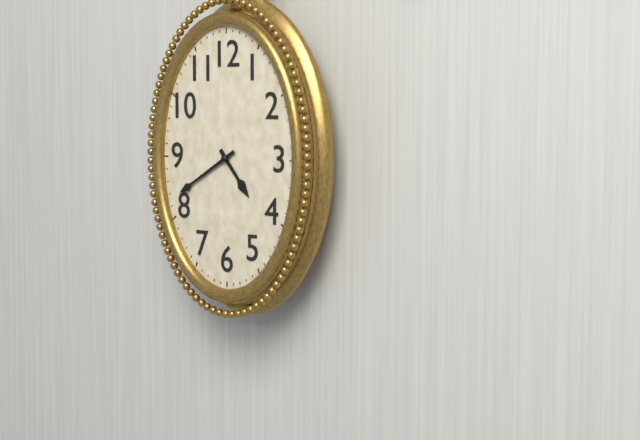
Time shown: {"hour": 4, "minute": 40}
